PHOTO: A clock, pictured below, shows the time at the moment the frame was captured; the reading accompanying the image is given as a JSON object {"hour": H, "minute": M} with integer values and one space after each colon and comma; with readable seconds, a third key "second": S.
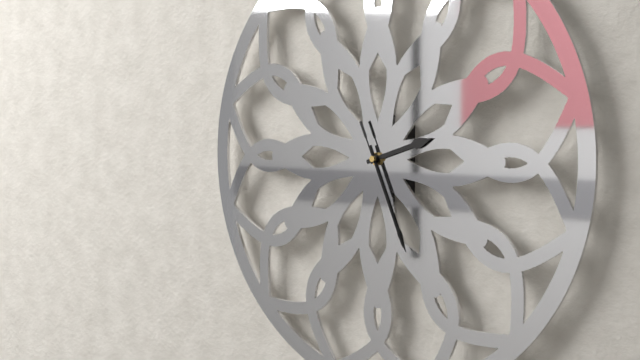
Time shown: {"hour": 2, "minute": 26, "second": 26}
